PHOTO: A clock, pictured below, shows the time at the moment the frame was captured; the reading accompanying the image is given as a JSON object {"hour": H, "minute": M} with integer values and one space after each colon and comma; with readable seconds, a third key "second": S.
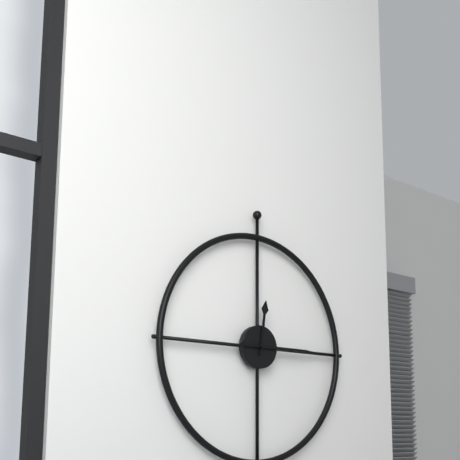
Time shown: {"hour": 12, "minute": 15}
